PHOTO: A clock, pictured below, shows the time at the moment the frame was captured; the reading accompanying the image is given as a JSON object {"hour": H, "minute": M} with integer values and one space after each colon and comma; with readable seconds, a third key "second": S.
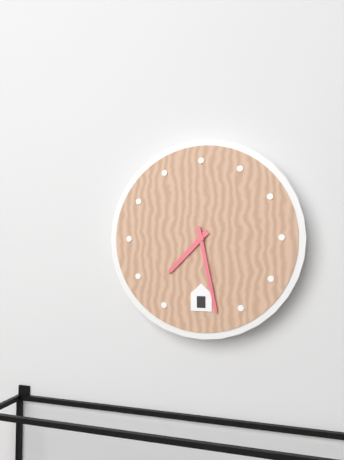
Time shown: {"hour": 7, "minute": 28}
